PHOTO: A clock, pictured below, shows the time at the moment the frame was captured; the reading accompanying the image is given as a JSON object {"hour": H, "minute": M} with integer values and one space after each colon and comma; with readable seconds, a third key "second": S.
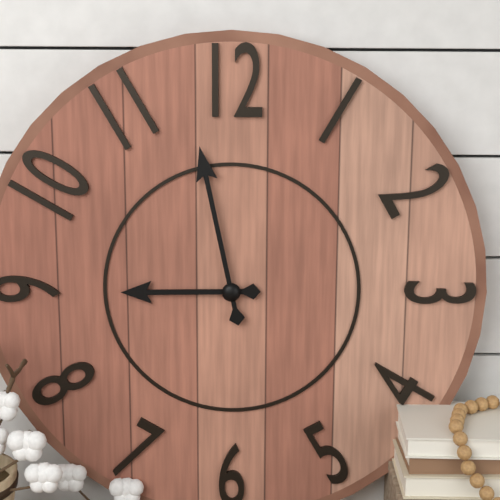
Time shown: {"hour": 8, "minute": 58}
